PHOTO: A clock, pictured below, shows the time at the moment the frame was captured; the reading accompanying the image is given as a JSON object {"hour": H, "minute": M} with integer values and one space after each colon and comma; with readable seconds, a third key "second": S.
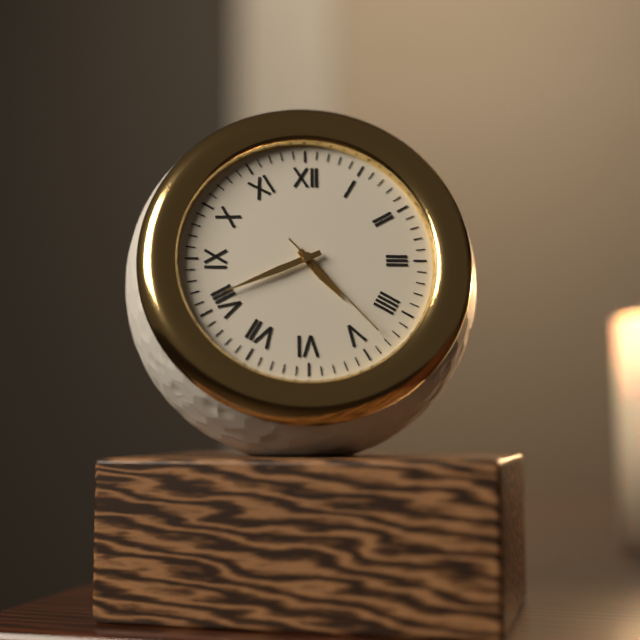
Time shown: {"hour": 4, "minute": 41, "second": 23}
